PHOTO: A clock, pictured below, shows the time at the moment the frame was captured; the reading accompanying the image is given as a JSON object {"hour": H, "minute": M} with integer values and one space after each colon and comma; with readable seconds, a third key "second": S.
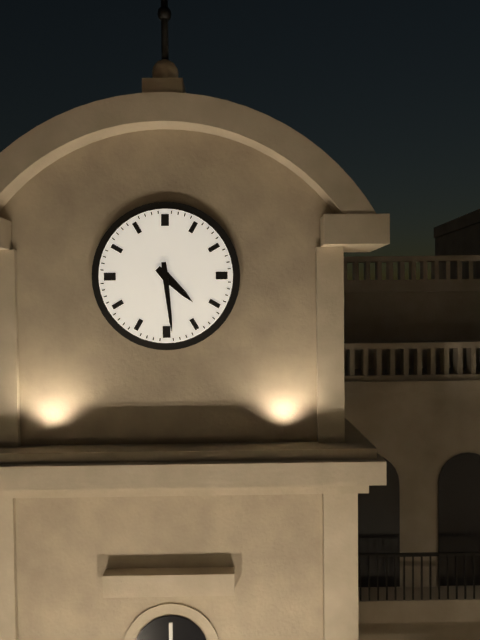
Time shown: {"hour": 4, "minute": 29}
